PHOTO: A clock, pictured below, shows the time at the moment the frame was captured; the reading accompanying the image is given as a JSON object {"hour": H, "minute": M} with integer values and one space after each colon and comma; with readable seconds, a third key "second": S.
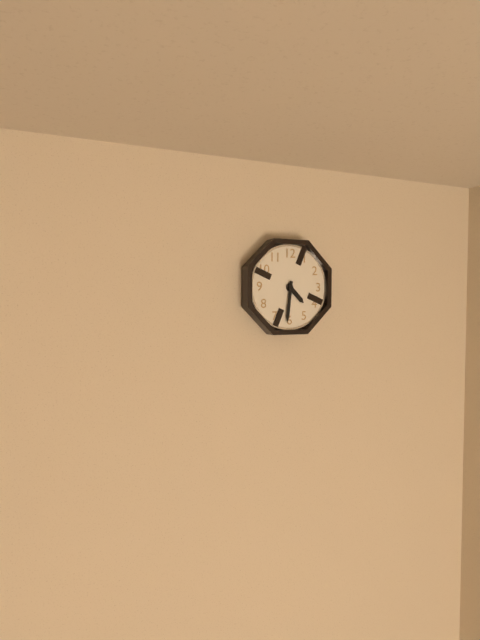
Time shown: {"hour": 4, "minute": 31}
